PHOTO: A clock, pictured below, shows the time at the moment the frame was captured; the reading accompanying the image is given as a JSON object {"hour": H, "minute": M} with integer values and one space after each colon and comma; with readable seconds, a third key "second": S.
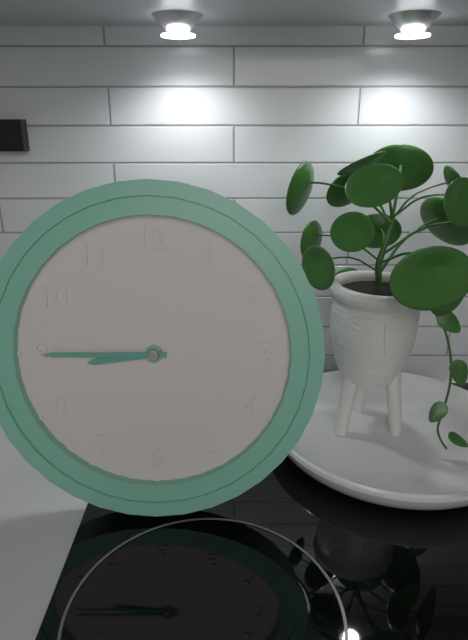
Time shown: {"hour": 8, "minute": 45}
